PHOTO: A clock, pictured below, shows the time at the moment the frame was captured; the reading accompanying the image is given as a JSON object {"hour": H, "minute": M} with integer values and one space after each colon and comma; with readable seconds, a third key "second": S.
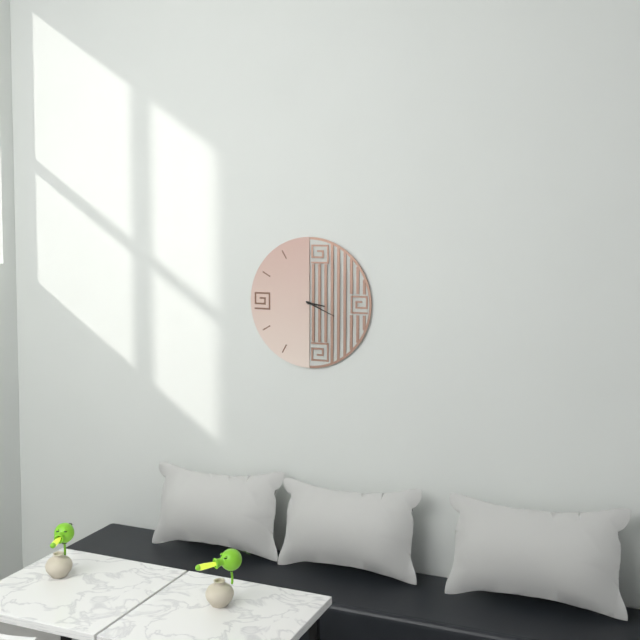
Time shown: {"hour": 3, "minute": 19}
